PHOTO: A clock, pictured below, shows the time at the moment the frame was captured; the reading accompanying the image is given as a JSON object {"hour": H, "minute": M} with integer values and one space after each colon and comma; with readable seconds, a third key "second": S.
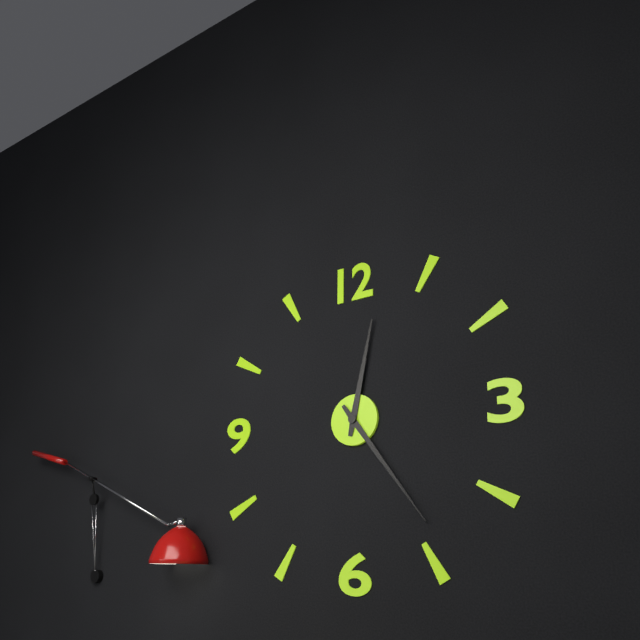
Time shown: {"hour": 12, "minute": 24}
